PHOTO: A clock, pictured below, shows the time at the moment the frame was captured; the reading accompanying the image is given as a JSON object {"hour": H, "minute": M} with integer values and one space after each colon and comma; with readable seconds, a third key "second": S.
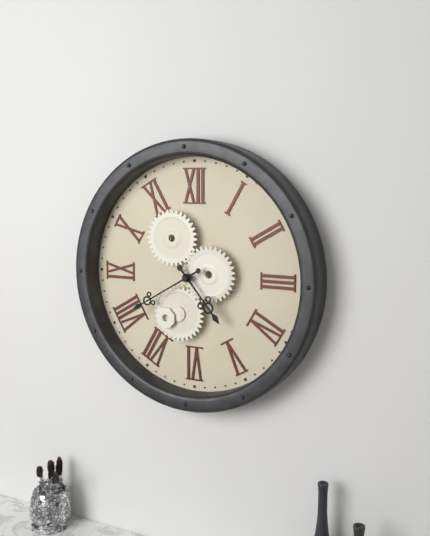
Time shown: {"hour": 4, "minute": 40}
